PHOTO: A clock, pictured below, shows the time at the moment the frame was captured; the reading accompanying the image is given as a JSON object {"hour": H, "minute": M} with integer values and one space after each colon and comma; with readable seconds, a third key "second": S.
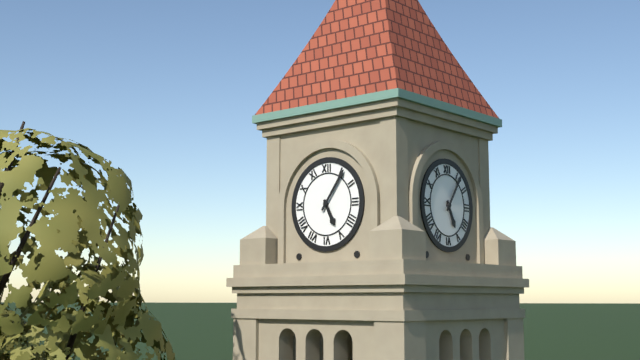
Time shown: {"hour": 5, "minute": 6}
